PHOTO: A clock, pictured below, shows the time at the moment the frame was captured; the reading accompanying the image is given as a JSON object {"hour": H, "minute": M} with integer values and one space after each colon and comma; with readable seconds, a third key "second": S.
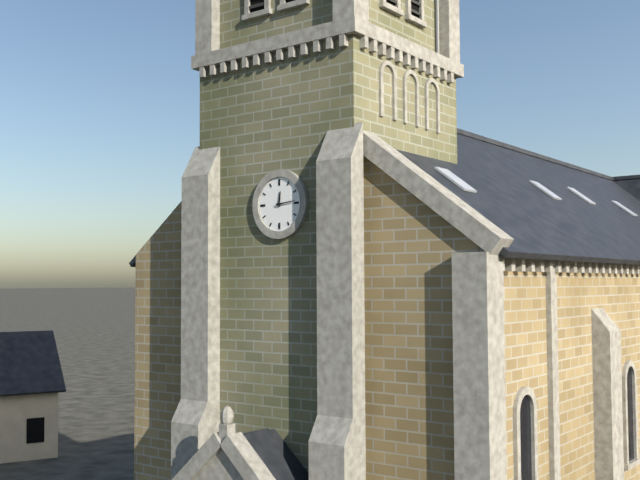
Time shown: {"hour": 12, "minute": 14}
